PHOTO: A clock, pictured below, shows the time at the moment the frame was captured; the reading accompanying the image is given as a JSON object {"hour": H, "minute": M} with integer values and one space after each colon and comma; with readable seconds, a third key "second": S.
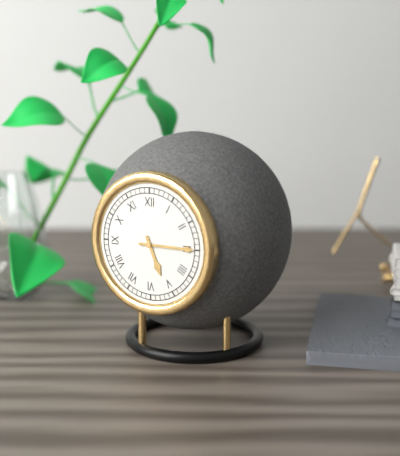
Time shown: {"hour": 5, "minute": 15}
